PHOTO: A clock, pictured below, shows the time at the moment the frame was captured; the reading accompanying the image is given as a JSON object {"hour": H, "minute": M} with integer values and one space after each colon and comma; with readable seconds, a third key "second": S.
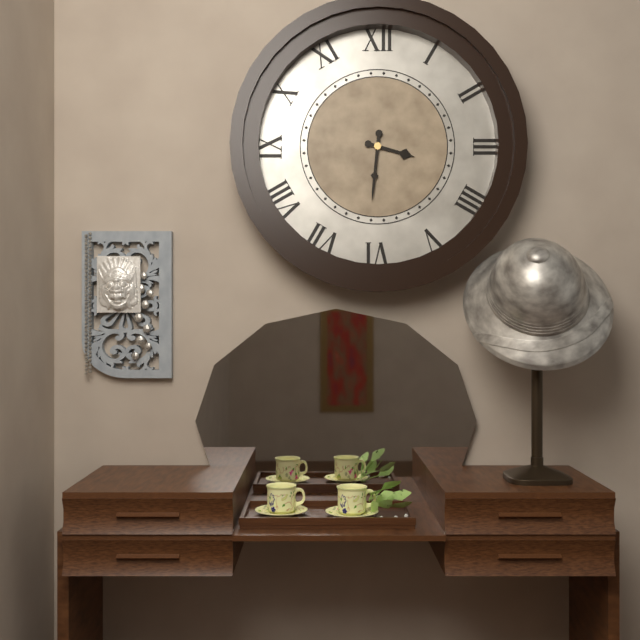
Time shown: {"hour": 3, "minute": 31}
